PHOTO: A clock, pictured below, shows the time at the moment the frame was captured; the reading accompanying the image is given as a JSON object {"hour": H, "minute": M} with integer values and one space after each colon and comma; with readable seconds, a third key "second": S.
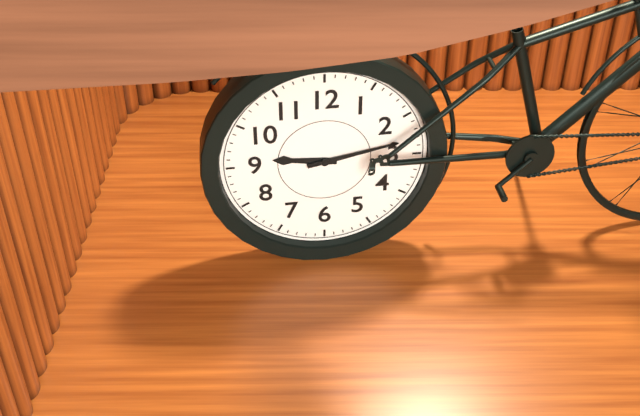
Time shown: {"hour": 9, "minute": 13}
